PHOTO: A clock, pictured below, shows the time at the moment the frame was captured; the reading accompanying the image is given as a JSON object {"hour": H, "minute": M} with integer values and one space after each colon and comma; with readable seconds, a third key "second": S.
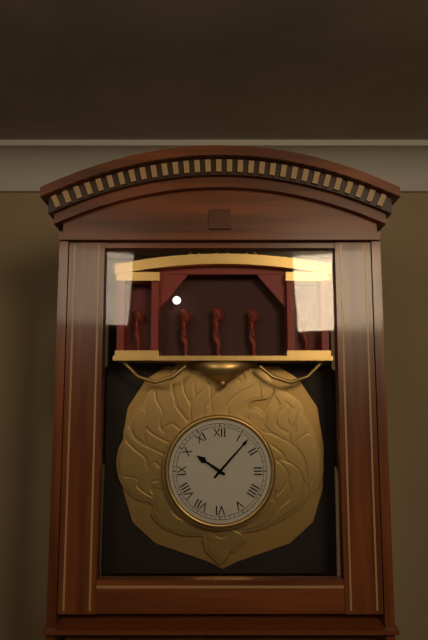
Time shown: {"hour": 10, "minute": 7}
